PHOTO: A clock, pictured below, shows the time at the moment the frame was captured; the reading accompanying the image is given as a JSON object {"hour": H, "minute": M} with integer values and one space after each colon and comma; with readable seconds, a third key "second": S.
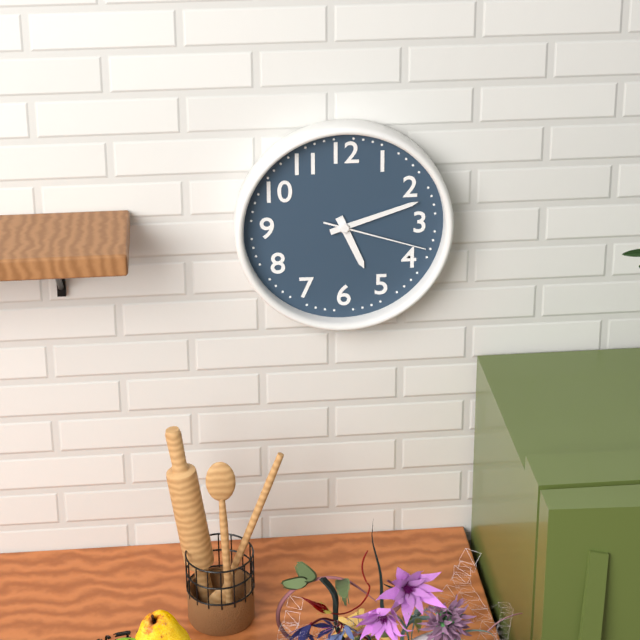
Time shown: {"hour": 5, "minute": 12, "second": 18}
